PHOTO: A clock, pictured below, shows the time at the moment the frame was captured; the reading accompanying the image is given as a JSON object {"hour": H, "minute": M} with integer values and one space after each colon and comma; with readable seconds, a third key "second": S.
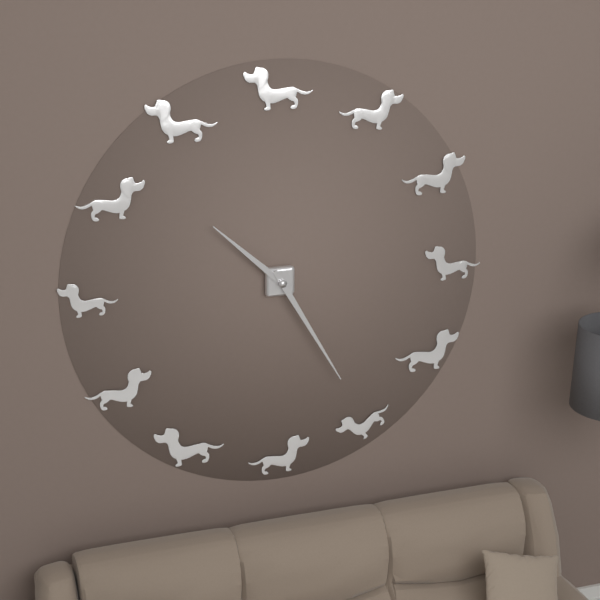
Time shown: {"hour": 10, "minute": 25}
